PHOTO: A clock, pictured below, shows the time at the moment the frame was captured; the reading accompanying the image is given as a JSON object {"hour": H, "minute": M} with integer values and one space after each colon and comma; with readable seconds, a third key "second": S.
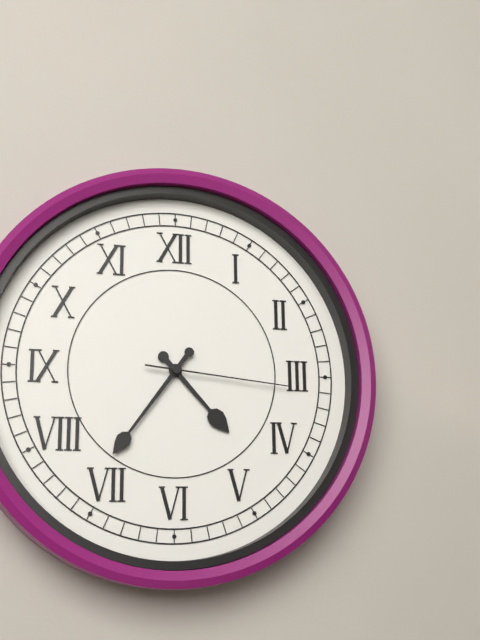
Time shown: {"hour": 4, "minute": 36, "second": 16}
